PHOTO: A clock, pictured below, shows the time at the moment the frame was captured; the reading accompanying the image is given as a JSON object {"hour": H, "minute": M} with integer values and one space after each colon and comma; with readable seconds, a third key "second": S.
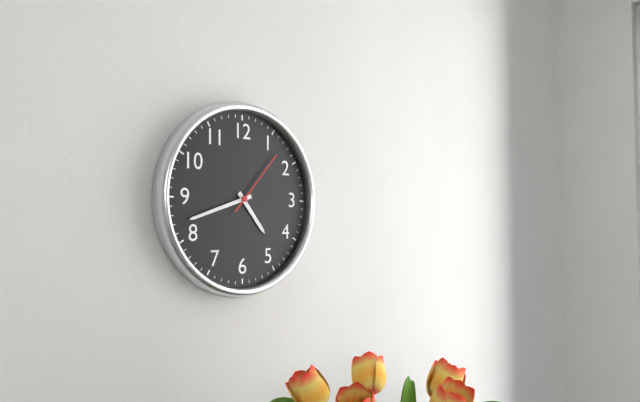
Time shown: {"hour": 4, "minute": 42, "second": 7}
